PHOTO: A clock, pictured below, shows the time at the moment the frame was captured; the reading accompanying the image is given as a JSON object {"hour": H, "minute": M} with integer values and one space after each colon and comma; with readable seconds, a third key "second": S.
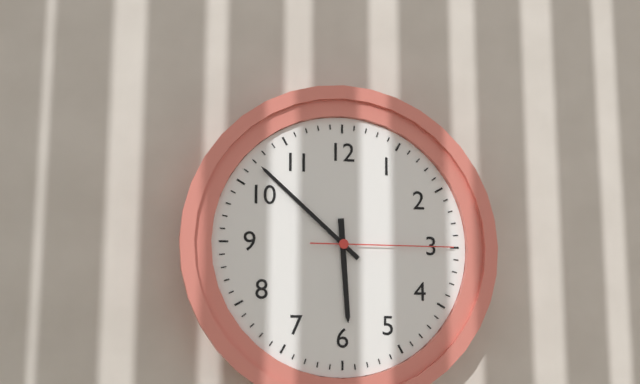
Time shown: {"hour": 5, "minute": 52, "second": 15}
